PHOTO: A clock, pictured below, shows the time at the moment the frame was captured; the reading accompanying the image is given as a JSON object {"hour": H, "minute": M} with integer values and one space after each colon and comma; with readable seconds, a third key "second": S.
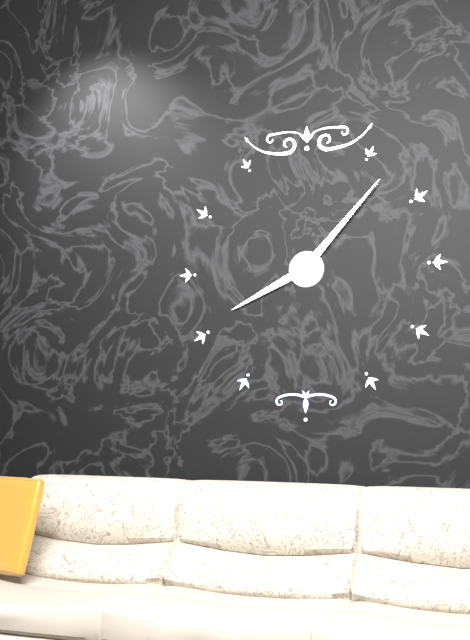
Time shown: {"hour": 8, "minute": 7}
